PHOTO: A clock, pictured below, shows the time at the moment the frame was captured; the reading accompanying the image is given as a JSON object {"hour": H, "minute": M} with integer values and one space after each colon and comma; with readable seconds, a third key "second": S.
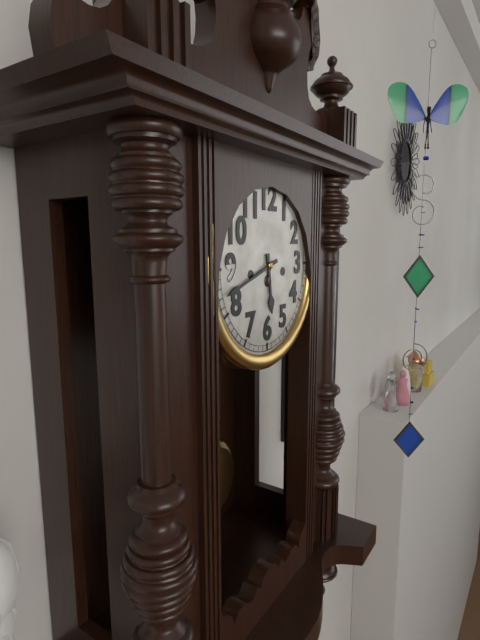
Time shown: {"hour": 5, "minute": 42}
